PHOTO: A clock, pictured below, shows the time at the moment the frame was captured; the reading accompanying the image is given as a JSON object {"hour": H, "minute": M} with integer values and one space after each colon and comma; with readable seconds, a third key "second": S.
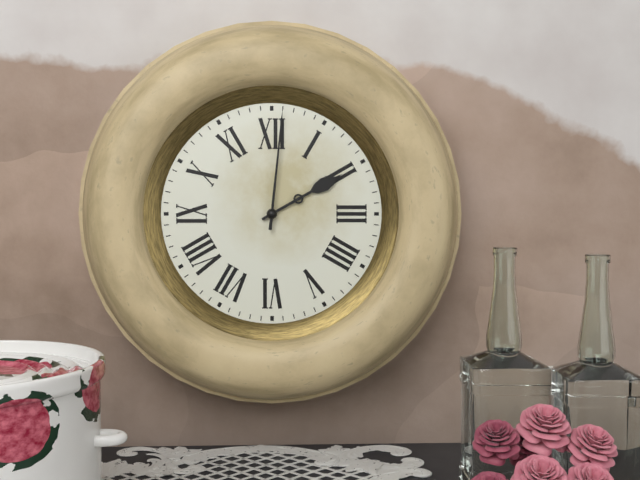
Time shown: {"hour": 2, "minute": 1}
